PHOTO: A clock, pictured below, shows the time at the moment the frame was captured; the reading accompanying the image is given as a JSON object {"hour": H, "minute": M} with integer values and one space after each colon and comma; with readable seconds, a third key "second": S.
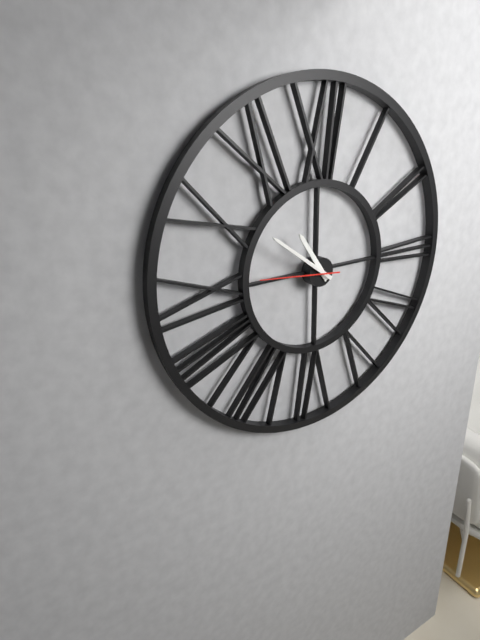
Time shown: {"hour": 10, "minute": 51, "second": 46}
